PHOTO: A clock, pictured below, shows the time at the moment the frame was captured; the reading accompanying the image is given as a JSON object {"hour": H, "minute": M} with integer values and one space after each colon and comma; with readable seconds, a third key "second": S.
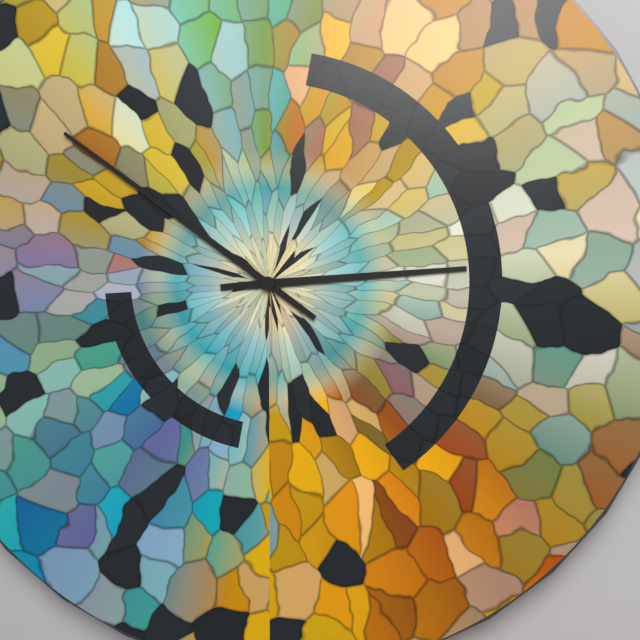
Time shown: {"hour": 2, "minute": 51}
